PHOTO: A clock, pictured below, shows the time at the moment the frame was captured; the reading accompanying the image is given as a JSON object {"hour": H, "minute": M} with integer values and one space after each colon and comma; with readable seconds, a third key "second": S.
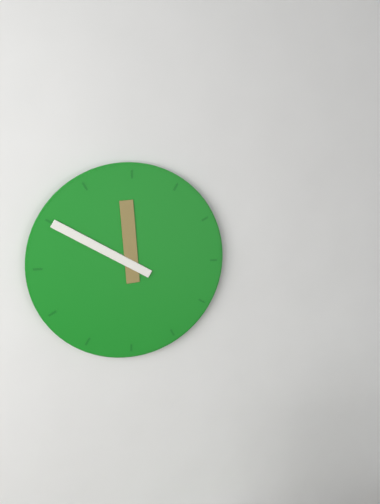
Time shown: {"hour": 11, "minute": 50}
